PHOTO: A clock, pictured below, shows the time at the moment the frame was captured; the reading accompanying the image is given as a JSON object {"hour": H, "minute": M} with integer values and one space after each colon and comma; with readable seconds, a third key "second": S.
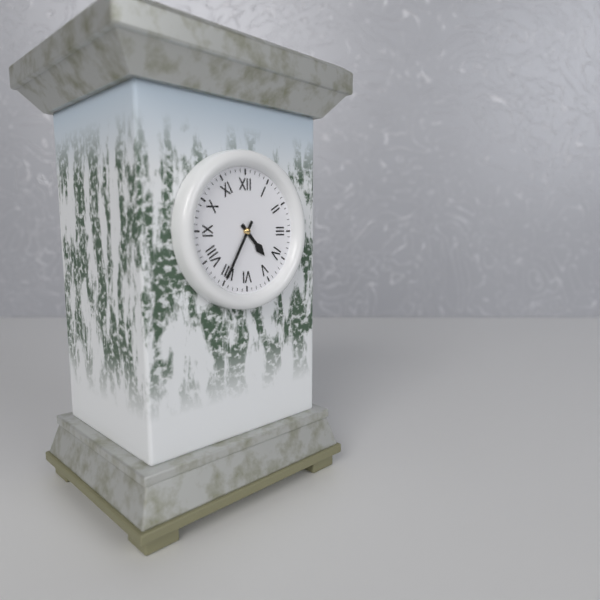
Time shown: {"hour": 4, "minute": 35}
